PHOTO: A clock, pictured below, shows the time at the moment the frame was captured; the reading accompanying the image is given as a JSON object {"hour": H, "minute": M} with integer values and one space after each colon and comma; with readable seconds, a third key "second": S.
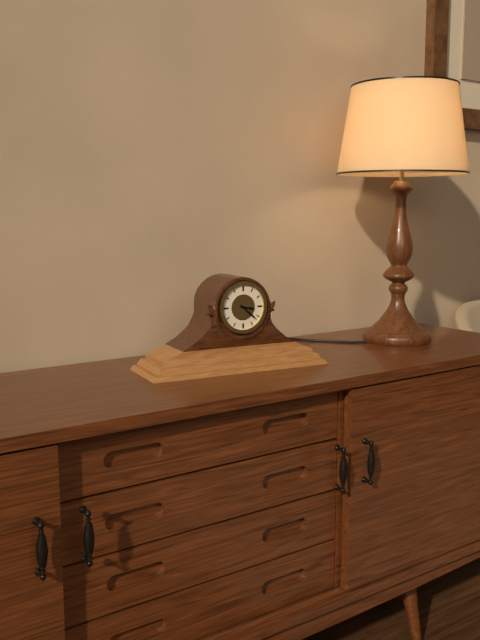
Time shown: {"hour": 3, "minute": 22}
